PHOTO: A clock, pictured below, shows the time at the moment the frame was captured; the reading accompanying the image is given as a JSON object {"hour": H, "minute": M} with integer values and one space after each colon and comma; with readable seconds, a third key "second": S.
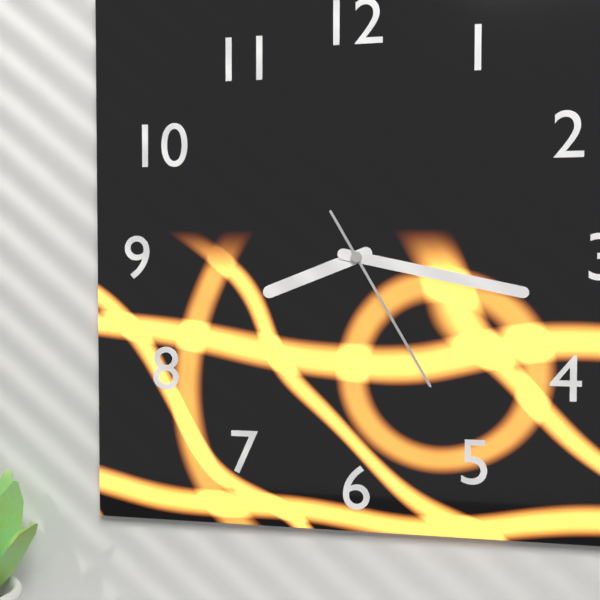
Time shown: {"hour": 8, "minute": 17, "second": 25}
